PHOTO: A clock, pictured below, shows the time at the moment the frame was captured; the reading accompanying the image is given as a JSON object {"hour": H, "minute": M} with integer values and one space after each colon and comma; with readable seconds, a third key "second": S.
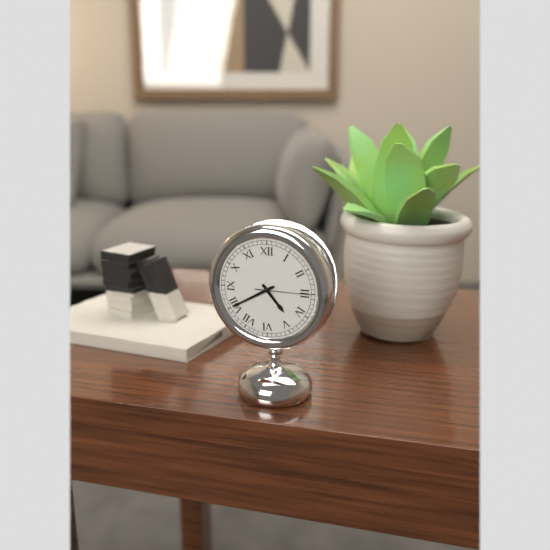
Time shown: {"hour": 4, "minute": 40, "second": 15}
